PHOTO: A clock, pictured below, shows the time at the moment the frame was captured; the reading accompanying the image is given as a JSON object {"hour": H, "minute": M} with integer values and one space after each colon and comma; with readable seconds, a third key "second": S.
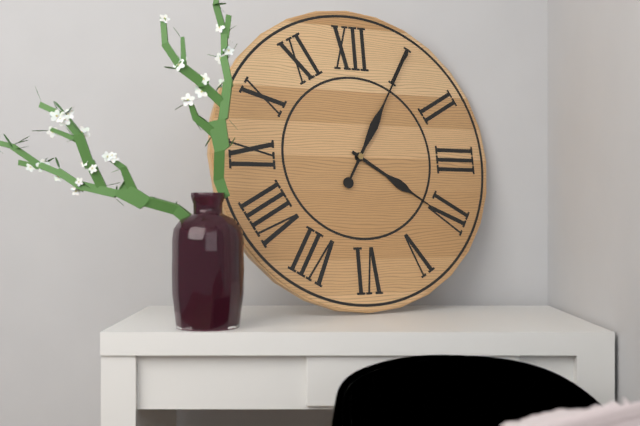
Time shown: {"hour": 4, "minute": 5}
